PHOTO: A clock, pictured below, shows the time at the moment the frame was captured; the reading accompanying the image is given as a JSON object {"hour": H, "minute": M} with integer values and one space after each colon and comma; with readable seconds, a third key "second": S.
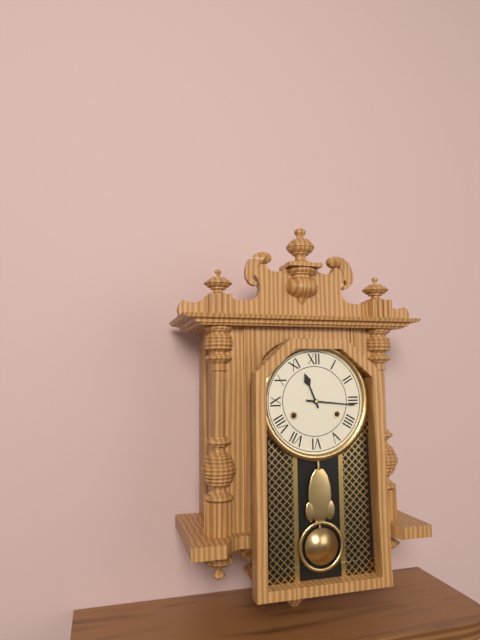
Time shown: {"hour": 11, "minute": 16}
